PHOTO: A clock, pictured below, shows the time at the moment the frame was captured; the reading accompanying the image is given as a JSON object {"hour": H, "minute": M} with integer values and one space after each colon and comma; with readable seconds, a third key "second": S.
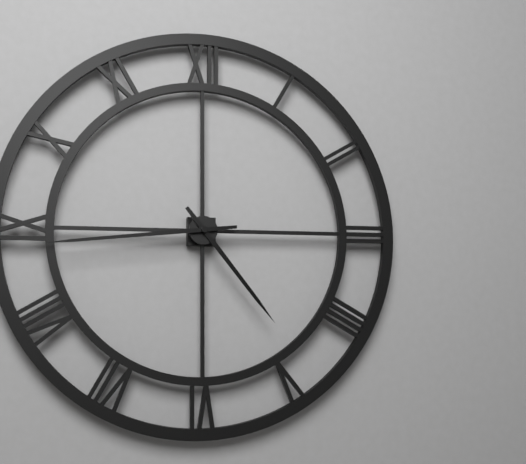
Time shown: {"hour": 4, "minute": 44}
